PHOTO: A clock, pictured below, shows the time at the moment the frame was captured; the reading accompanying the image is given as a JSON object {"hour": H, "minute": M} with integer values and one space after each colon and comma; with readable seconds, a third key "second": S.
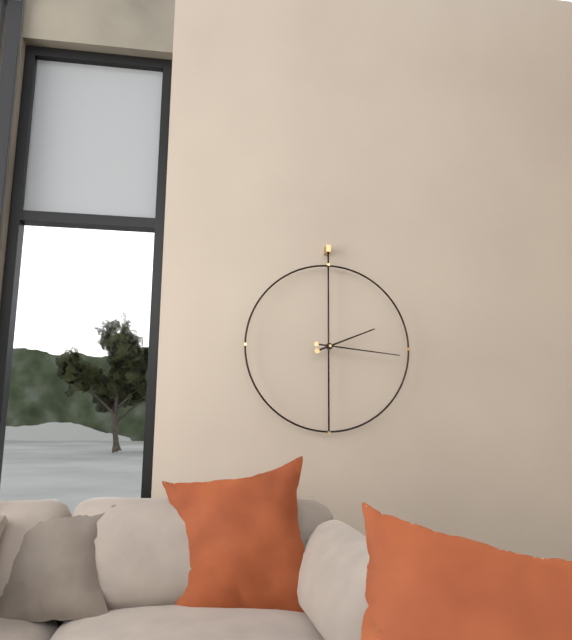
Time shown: {"hour": 2, "minute": 16}
